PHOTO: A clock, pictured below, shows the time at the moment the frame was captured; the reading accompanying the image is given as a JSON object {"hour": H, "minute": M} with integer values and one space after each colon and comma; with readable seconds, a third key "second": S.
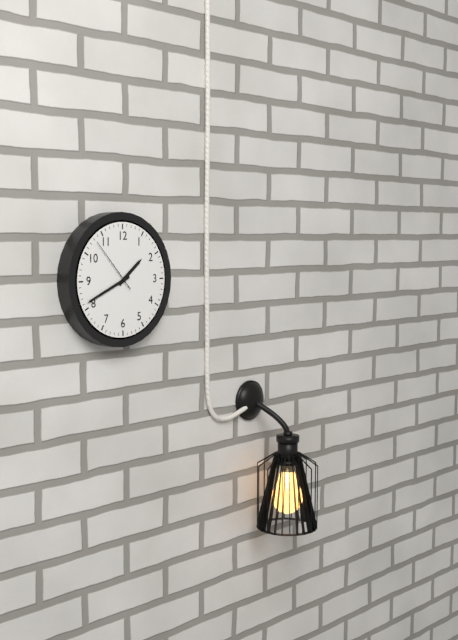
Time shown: {"hour": 1, "minute": 41, "second": 53}
